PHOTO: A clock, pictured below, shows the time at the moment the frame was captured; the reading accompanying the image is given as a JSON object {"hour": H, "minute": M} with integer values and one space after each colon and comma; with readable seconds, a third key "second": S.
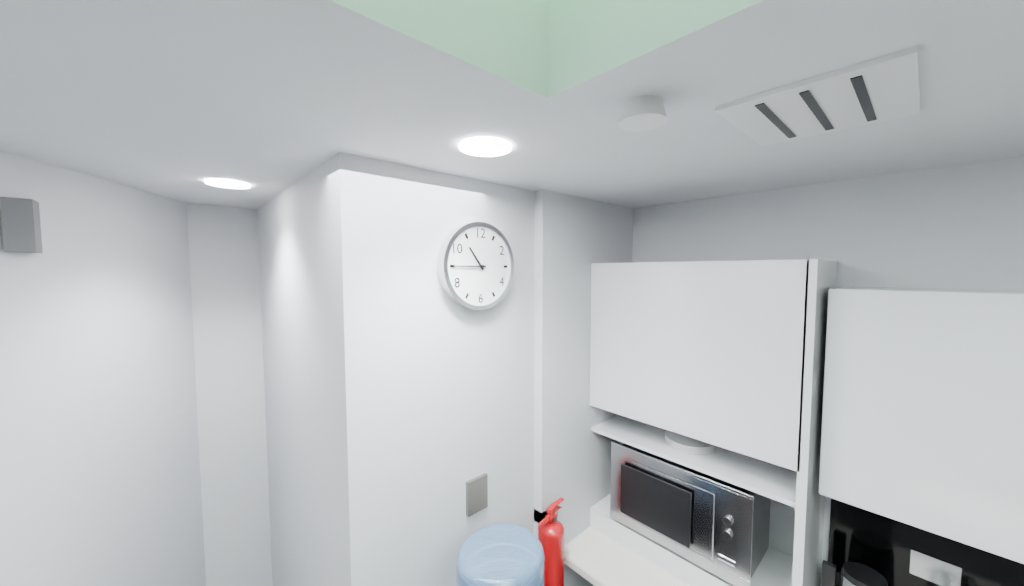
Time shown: {"hour": 10, "minute": 45}
